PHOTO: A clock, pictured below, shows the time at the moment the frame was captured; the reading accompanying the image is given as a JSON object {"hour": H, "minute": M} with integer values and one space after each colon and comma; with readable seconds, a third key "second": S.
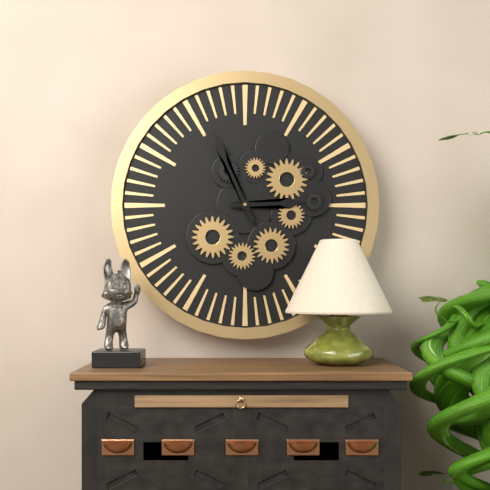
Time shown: {"hour": 2, "minute": 56}
